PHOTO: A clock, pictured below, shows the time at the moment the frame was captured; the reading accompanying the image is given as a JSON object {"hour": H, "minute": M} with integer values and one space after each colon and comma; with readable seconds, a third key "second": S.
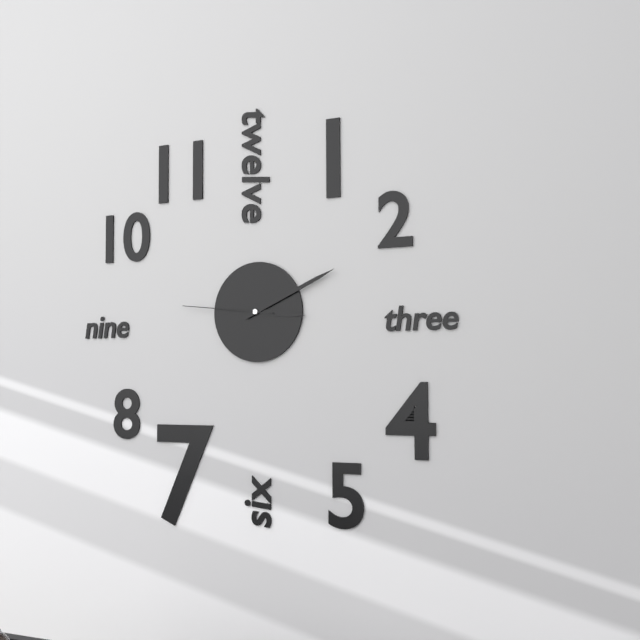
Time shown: {"hour": 3, "minute": 11, "second": 46}
